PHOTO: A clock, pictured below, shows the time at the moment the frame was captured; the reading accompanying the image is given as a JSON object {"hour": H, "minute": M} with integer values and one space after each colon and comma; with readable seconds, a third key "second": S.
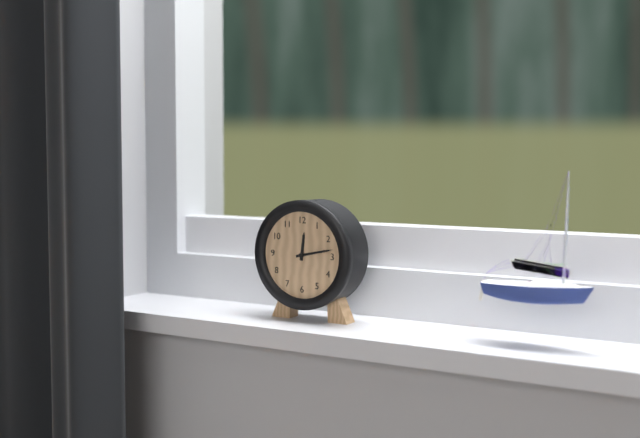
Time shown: {"hour": 12, "minute": 13}
